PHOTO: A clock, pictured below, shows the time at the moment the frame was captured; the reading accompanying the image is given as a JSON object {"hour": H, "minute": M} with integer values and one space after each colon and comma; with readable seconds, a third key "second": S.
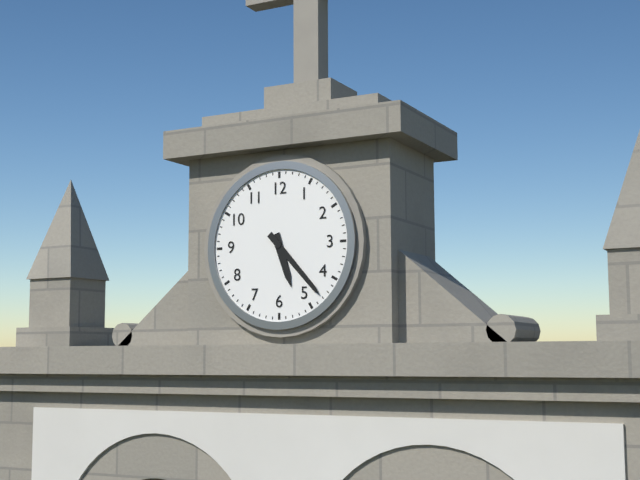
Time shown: {"hour": 5, "minute": 23}
